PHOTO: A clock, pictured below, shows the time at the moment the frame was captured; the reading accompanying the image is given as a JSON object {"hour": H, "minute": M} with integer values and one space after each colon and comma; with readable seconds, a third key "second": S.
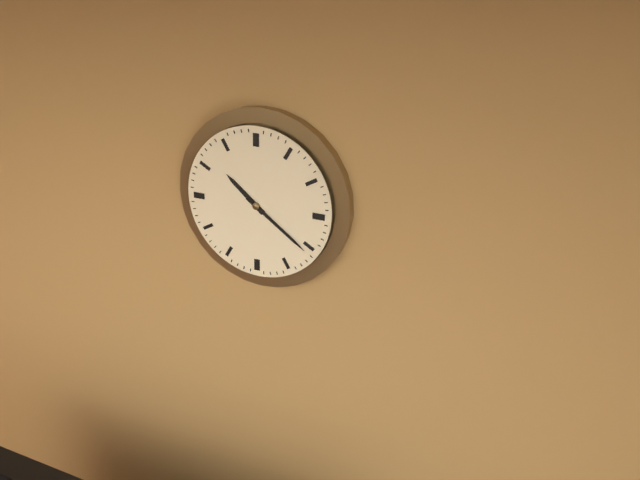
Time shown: {"hour": 10, "minute": 21}
